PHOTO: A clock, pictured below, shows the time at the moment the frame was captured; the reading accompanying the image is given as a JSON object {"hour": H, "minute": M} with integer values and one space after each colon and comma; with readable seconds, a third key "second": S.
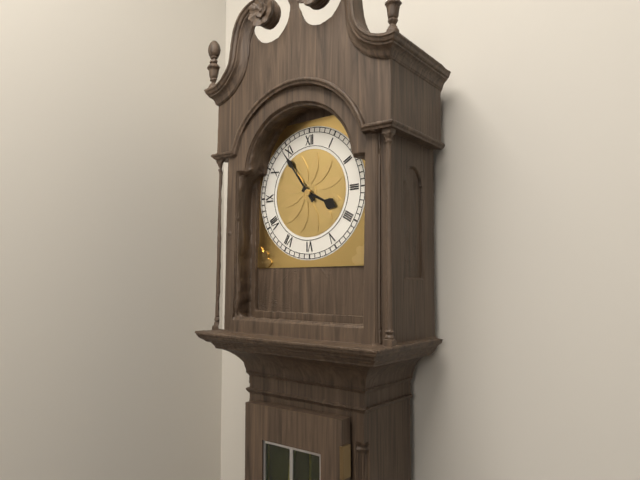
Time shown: {"hour": 3, "minute": 54}
